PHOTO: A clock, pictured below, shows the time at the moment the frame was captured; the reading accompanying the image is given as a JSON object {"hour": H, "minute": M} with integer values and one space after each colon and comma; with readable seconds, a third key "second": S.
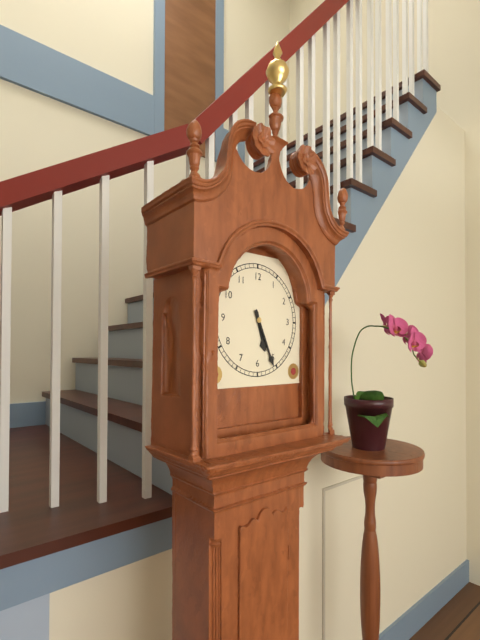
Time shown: {"hour": 5, "minute": 26}
